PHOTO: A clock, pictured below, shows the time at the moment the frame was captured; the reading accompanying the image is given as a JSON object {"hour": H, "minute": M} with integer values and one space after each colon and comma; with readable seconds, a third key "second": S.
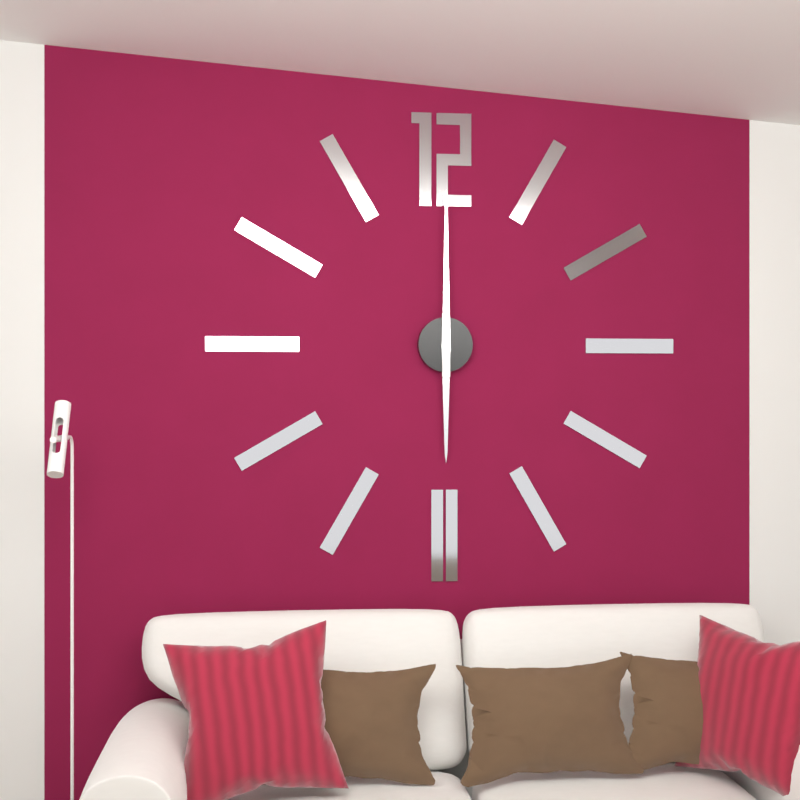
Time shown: {"hour": 6, "minute": 0}
